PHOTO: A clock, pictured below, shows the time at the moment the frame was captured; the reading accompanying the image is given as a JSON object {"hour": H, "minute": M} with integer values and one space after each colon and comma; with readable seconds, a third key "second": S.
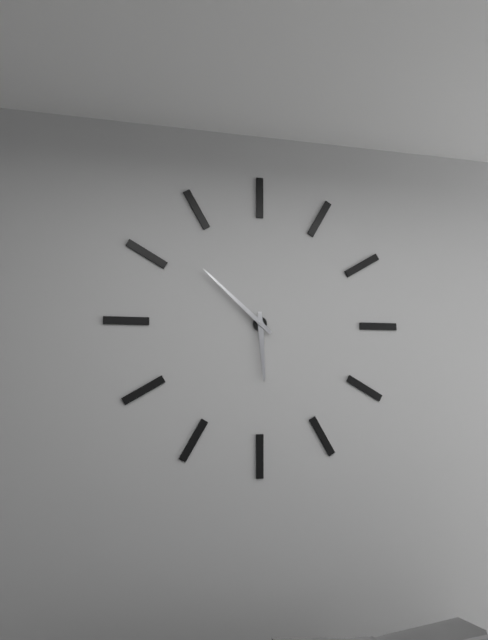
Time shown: {"hour": 5, "minute": 52}
